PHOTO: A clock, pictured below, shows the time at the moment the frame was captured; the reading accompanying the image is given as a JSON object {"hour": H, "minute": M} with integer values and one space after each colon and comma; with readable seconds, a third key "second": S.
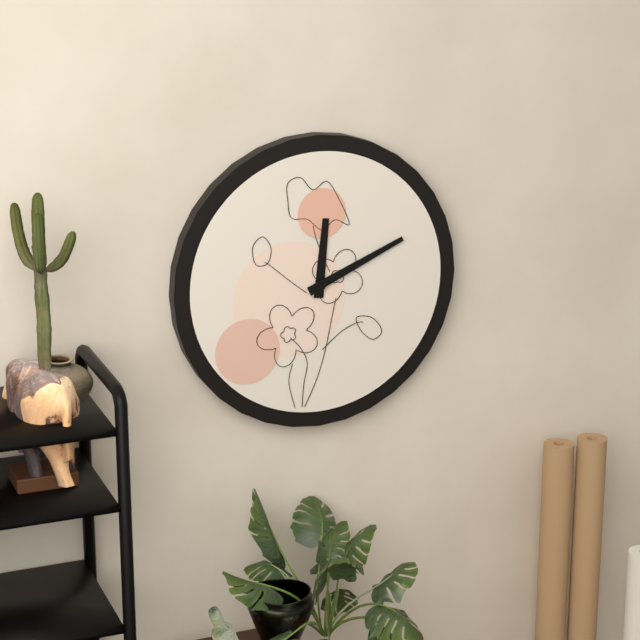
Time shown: {"hour": 12, "minute": 11}
